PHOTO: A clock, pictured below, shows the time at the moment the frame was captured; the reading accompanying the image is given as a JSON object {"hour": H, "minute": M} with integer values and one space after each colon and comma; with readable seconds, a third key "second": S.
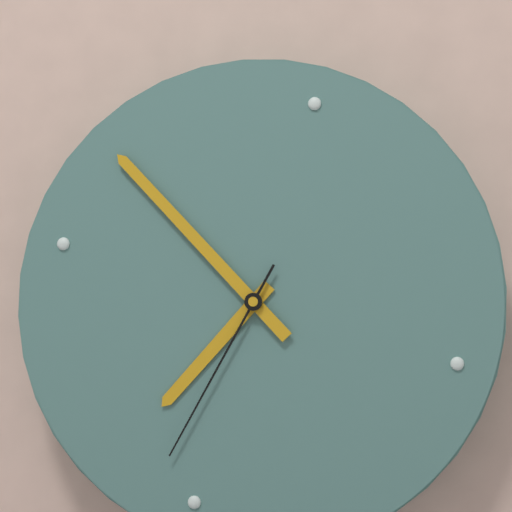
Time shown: {"hour": 6, "minute": 50, "second": 32}
